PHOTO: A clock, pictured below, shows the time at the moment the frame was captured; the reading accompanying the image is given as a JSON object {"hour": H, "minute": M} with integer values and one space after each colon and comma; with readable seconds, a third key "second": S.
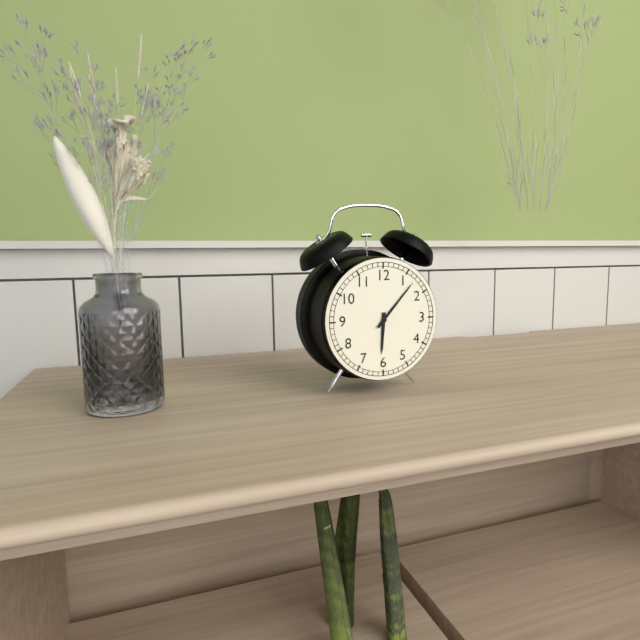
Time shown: {"hour": 6, "minute": 7}
